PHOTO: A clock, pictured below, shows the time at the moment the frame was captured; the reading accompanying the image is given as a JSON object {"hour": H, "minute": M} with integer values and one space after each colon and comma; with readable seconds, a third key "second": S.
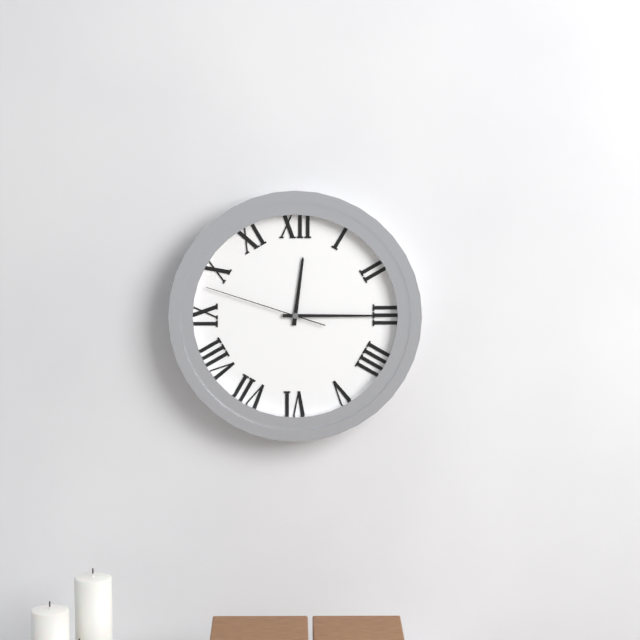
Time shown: {"hour": 12, "minute": 15, "second": 48}
